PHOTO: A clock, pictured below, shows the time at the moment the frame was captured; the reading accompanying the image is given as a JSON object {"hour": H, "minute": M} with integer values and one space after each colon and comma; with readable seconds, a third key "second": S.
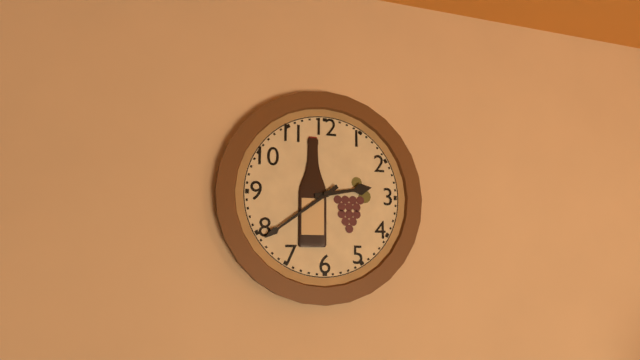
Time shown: {"hour": 2, "minute": 39}
